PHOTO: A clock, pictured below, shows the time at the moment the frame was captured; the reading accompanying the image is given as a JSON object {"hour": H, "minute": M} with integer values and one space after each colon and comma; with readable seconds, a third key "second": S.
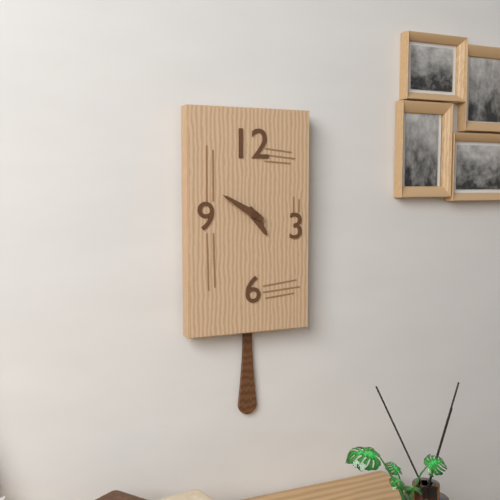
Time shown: {"hour": 4, "minute": 50}
